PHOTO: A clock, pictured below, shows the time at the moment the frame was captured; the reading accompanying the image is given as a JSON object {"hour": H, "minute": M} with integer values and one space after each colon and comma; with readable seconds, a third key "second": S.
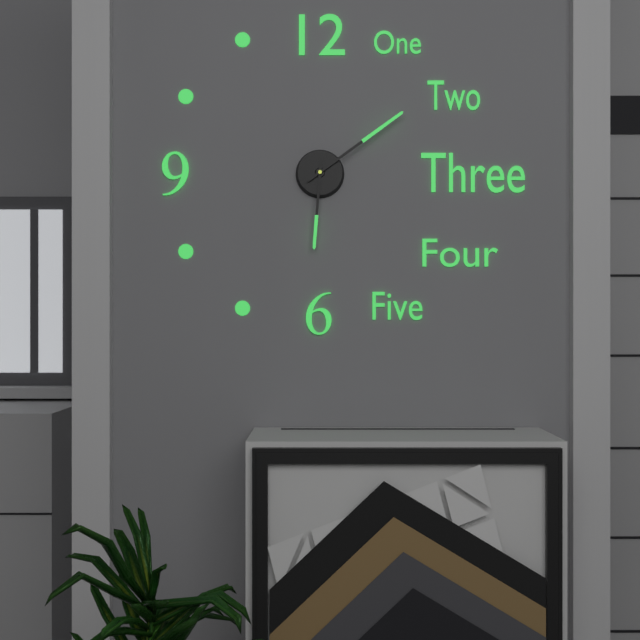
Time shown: {"hour": 6, "minute": 9}
